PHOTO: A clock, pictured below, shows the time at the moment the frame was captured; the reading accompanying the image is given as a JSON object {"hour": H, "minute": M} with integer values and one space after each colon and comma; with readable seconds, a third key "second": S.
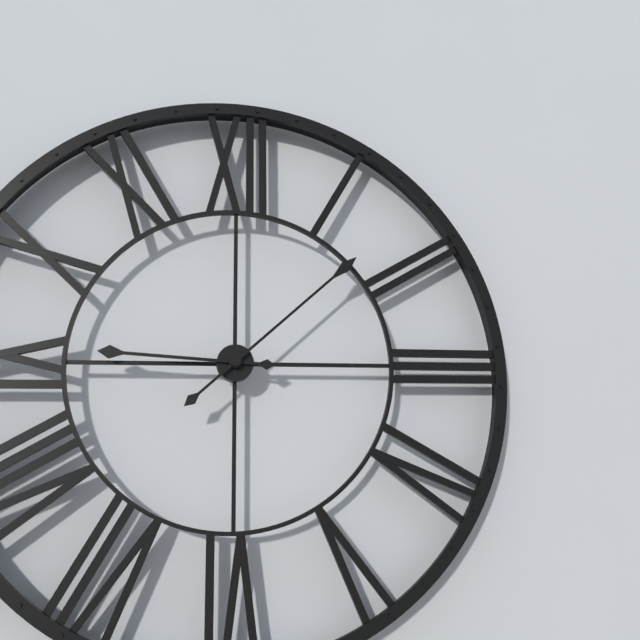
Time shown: {"hour": 9, "minute": 8}
